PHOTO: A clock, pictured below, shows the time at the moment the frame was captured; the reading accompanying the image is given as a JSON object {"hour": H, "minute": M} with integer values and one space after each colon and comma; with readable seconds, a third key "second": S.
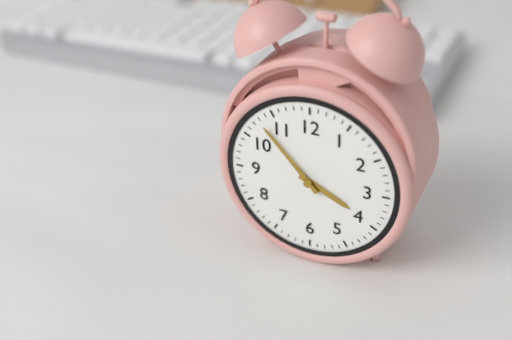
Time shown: {"hour": 3, "minute": 53}
